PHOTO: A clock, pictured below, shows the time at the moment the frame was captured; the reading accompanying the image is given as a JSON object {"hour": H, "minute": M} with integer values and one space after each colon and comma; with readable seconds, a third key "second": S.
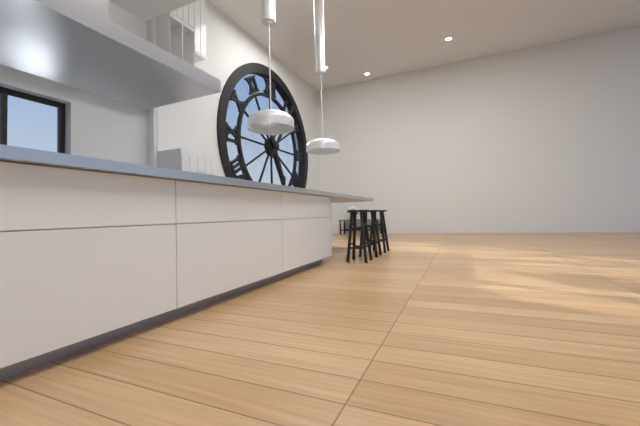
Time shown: {"hour": 5, "minute": 6}
